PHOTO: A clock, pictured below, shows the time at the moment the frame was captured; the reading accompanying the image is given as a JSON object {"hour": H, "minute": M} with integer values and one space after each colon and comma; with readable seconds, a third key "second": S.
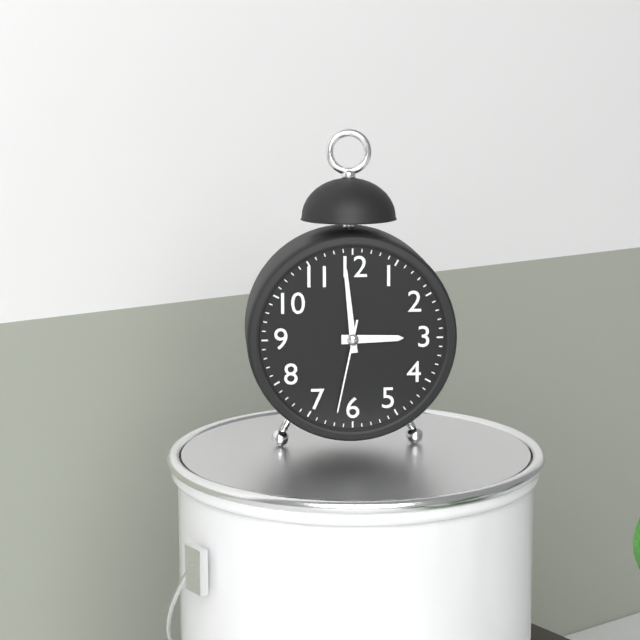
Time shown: {"hour": 2, "minute": 59, "second": 32}
